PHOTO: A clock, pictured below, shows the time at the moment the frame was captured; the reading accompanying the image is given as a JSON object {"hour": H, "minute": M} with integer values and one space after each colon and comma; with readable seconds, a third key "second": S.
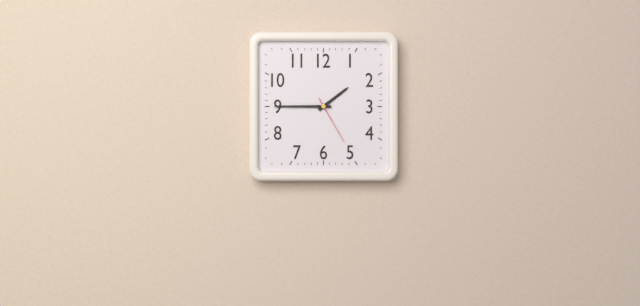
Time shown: {"hour": 1, "minute": 45, "second": 25}
